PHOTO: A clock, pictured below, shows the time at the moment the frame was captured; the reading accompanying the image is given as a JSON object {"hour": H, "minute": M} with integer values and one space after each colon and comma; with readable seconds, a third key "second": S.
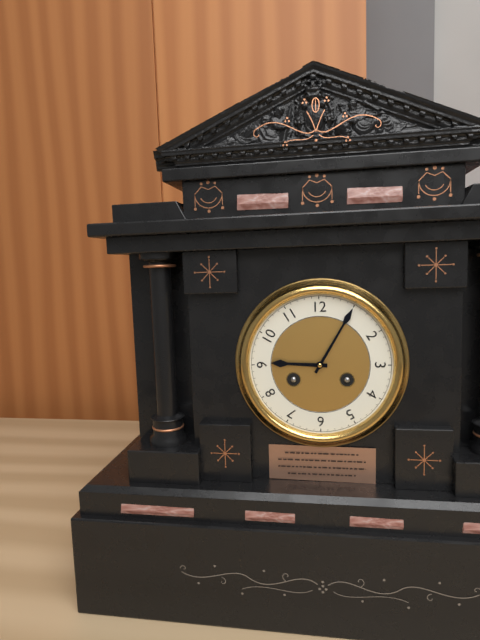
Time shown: {"hour": 9, "minute": 5}
